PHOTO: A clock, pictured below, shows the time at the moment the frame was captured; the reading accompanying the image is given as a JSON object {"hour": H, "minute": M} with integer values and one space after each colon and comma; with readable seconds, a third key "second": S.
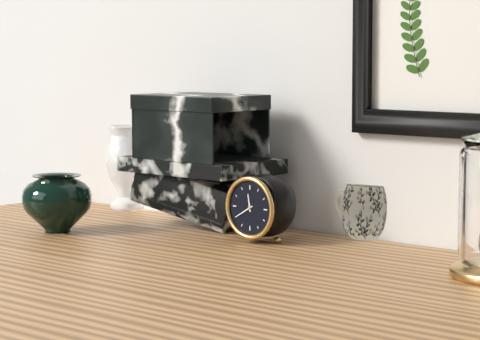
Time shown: {"hour": 11, "minute": 40}
